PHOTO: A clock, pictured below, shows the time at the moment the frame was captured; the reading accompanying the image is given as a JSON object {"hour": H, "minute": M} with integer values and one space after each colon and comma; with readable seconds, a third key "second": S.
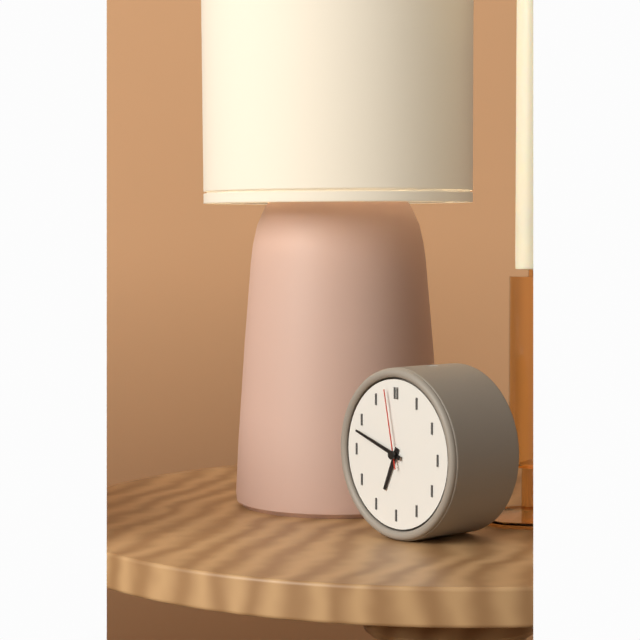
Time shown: {"hour": 6, "minute": 48, "second": 58}
